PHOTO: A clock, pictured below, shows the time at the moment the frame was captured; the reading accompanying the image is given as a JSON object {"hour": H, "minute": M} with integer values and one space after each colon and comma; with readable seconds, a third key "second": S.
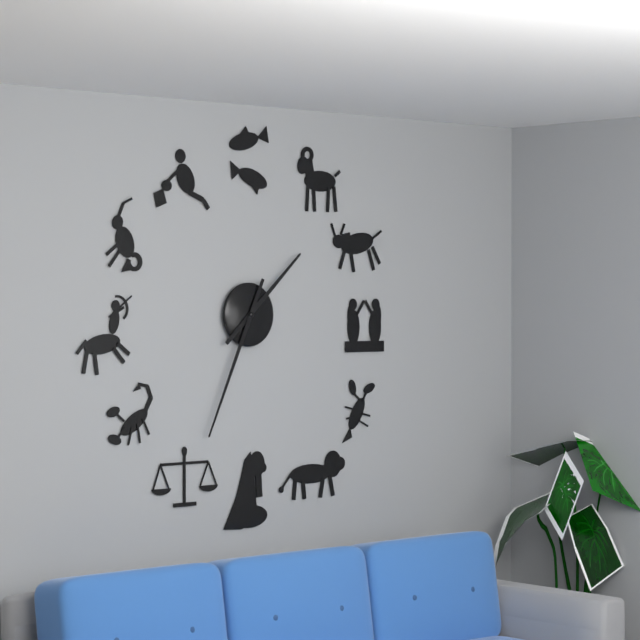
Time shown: {"hour": 1, "minute": 34}
